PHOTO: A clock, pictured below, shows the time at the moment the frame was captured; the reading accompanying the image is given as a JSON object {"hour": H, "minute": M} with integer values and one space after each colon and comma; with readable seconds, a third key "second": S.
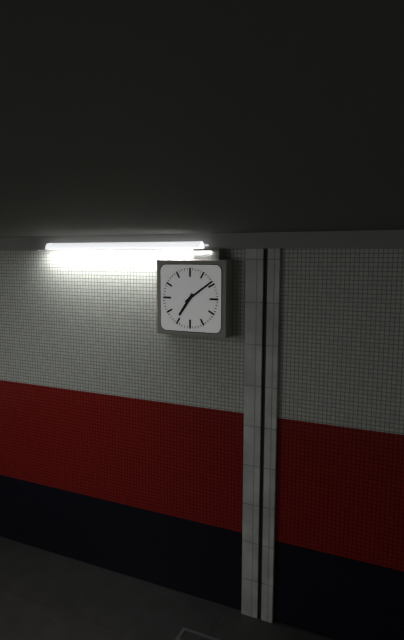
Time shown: {"hour": 7, "minute": 9}
